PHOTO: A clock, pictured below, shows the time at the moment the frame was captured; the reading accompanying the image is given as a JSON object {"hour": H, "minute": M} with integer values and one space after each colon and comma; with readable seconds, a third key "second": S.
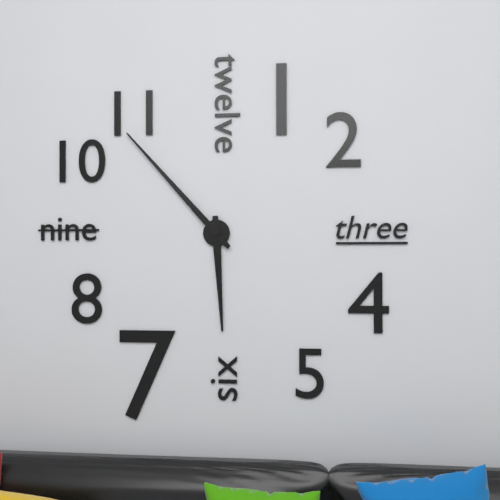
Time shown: {"hour": 5, "minute": 53}
